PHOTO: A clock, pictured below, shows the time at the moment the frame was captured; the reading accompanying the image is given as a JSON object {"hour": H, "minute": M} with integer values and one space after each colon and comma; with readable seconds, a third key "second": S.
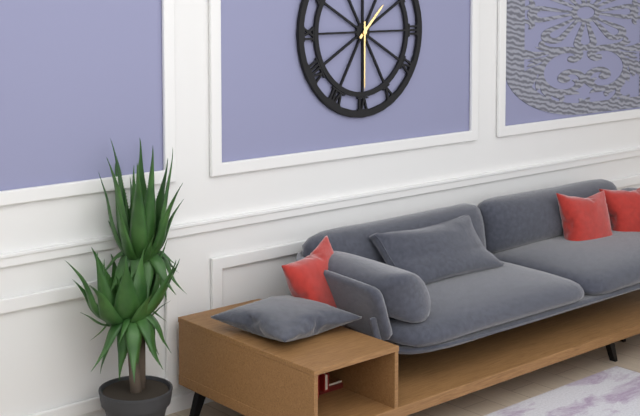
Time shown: {"hour": 1, "minute": 30}
